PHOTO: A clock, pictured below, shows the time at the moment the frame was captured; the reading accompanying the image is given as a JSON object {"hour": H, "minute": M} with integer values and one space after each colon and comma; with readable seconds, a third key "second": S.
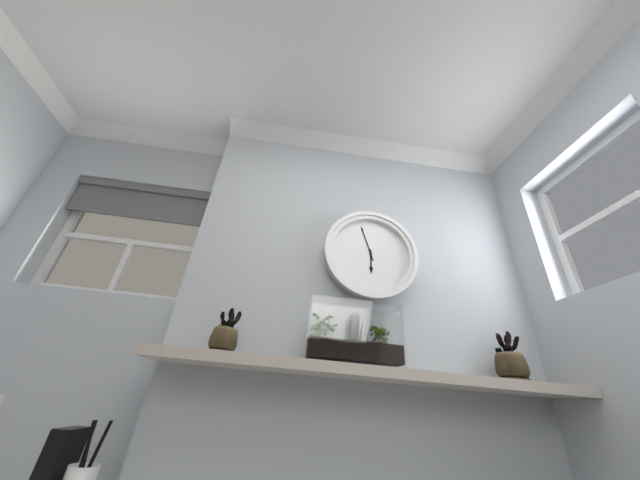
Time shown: {"hour": 5, "minute": 57}
